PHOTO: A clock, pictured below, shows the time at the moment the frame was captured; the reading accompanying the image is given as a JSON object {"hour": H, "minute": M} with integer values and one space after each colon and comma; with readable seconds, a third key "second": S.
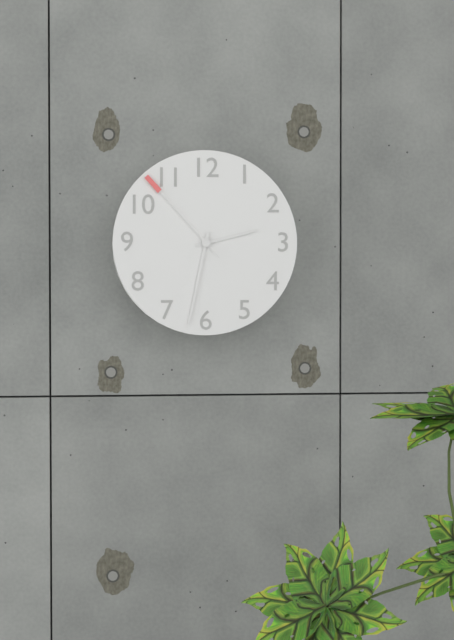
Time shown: {"hour": 2, "minute": 32, "second": 53}
